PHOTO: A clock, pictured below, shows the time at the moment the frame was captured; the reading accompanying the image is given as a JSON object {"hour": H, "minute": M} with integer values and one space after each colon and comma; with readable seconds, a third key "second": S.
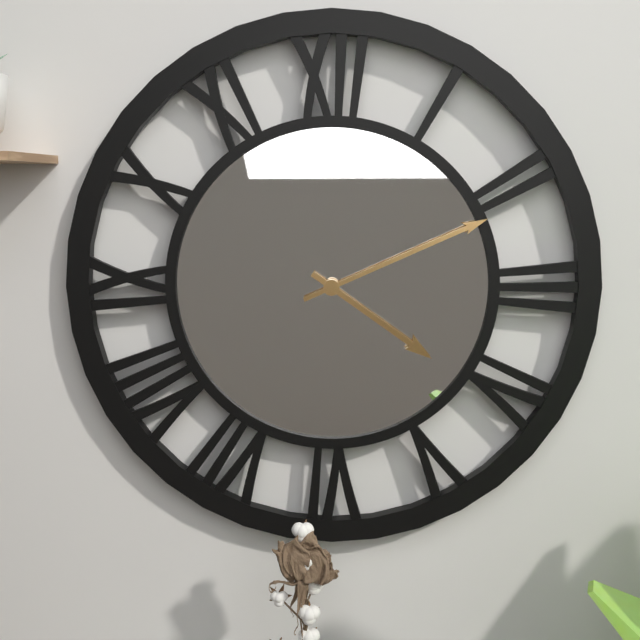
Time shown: {"hour": 4, "minute": 11}
